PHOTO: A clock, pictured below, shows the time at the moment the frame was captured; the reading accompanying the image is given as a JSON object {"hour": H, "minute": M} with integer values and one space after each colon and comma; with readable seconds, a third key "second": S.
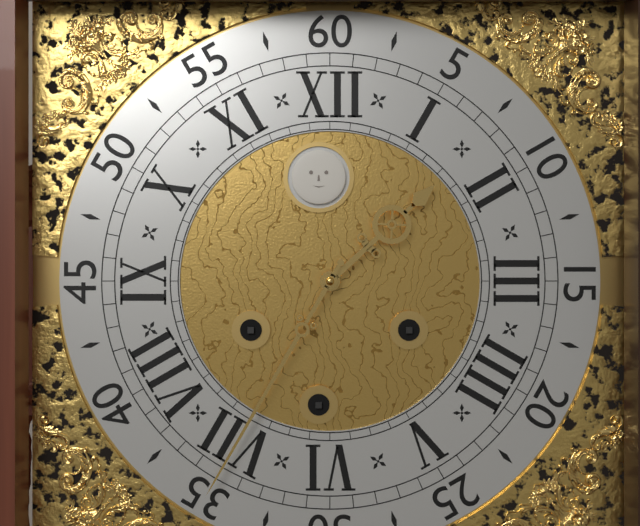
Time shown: {"hour": 1, "minute": 35}
